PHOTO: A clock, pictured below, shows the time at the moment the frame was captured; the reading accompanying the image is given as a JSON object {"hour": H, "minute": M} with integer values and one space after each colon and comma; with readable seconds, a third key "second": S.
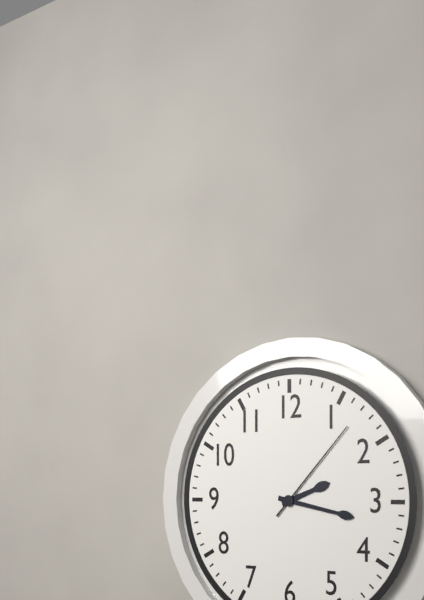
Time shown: {"hour": 2, "minute": 17, "second": 7}
